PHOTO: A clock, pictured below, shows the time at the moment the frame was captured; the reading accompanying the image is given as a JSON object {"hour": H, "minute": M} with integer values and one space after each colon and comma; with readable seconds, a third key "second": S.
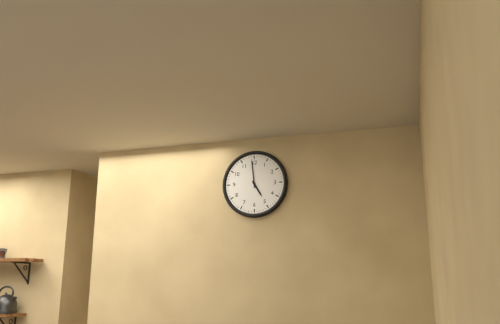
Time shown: {"hour": 4, "minute": 59}
